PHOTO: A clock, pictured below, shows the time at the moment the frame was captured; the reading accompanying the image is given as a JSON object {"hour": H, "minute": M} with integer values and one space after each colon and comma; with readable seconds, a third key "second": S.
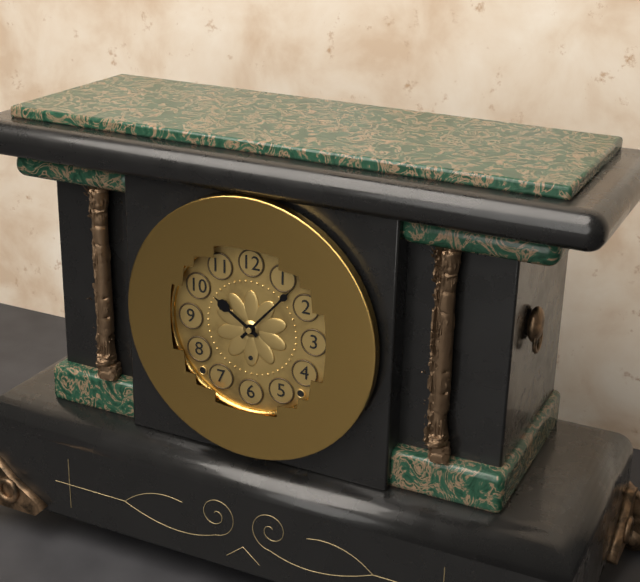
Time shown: {"hour": 10, "minute": 7}
